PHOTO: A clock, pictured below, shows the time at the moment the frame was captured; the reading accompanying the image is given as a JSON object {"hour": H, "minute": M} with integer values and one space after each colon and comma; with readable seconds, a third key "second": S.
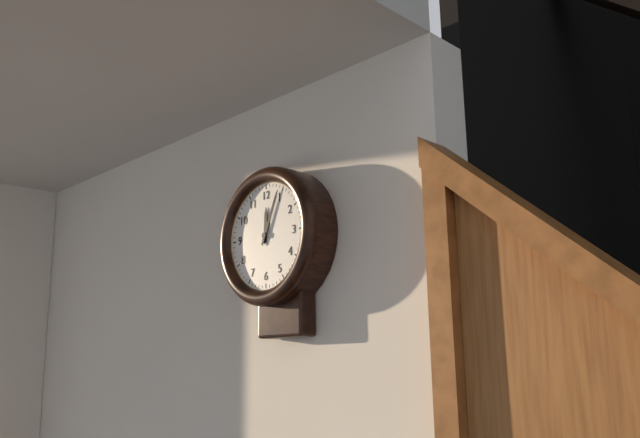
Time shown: {"hour": 12, "minute": 4}
